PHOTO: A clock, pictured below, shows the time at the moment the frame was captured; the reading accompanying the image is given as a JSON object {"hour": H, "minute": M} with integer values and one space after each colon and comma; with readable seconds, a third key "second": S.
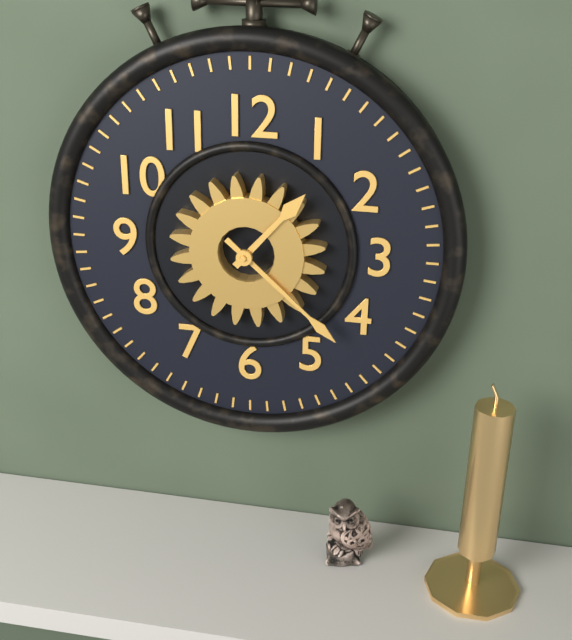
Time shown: {"hour": 1, "minute": 22}
